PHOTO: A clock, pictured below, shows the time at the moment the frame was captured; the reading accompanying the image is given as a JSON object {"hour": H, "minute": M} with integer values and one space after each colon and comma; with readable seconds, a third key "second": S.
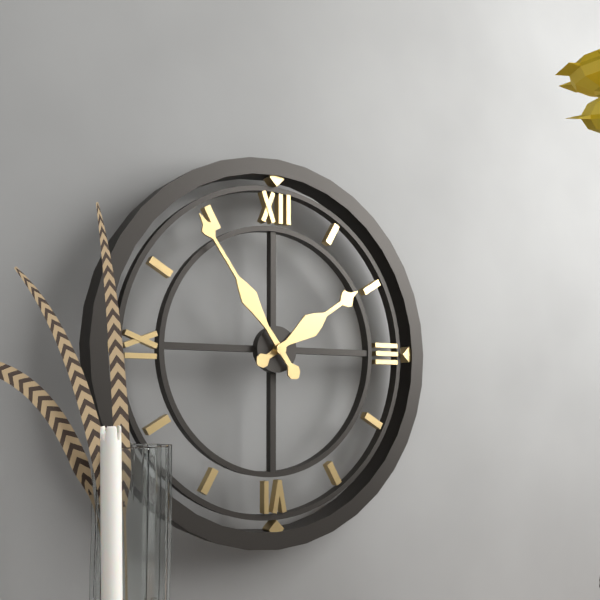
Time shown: {"hour": 1, "minute": 54}
